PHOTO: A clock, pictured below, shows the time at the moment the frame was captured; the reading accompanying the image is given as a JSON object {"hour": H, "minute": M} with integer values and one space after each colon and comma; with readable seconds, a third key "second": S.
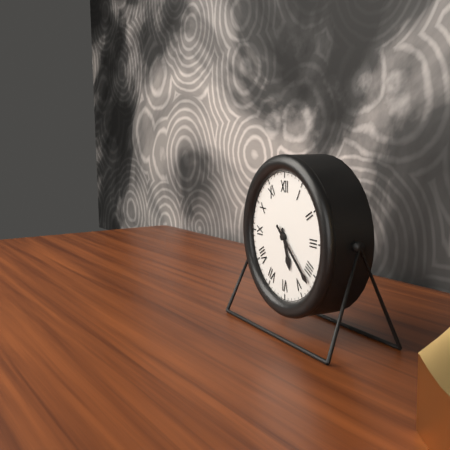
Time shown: {"hour": 5, "minute": 22}
